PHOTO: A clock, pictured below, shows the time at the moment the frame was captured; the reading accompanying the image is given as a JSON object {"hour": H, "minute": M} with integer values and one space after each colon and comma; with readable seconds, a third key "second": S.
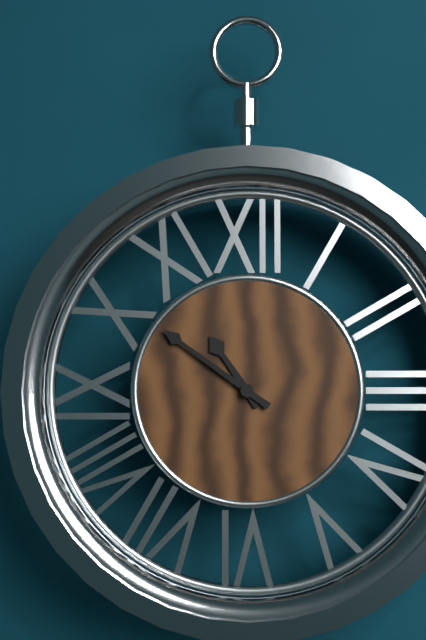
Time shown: {"hour": 10, "minute": 51}
